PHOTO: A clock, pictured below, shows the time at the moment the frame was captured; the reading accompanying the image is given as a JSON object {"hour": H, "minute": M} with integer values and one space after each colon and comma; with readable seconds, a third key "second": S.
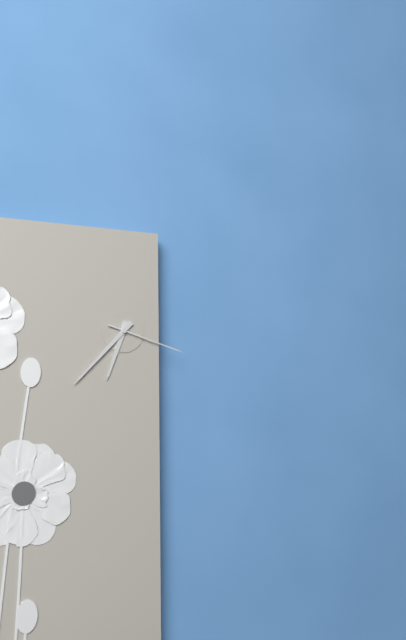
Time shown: {"hour": 6, "minute": 37, "second": 18}
